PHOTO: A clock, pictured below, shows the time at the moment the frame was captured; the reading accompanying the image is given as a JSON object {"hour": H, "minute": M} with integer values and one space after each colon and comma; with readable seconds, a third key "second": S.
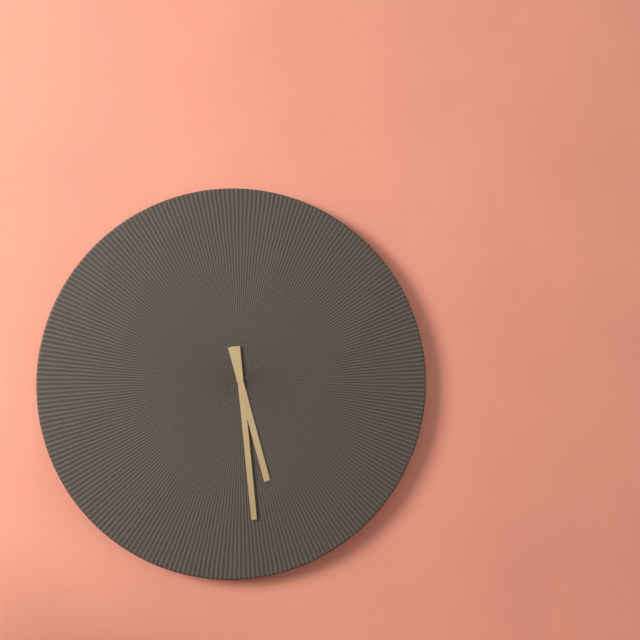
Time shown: {"hour": 5, "minute": 29}
